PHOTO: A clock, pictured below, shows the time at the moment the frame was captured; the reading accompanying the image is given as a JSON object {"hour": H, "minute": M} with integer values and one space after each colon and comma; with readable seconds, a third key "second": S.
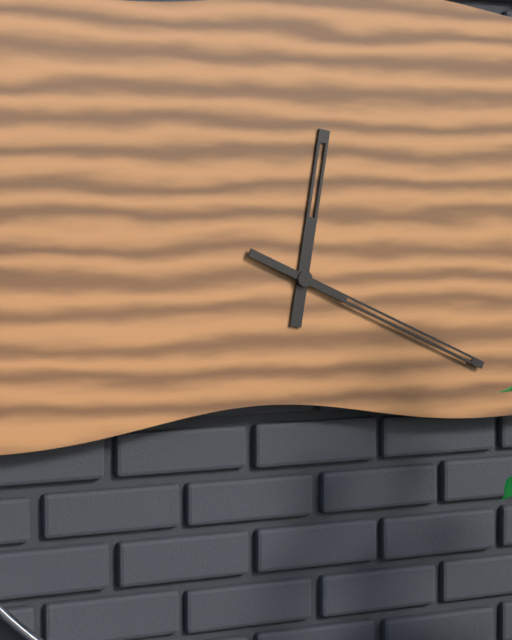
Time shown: {"hour": 12, "minute": 19}
